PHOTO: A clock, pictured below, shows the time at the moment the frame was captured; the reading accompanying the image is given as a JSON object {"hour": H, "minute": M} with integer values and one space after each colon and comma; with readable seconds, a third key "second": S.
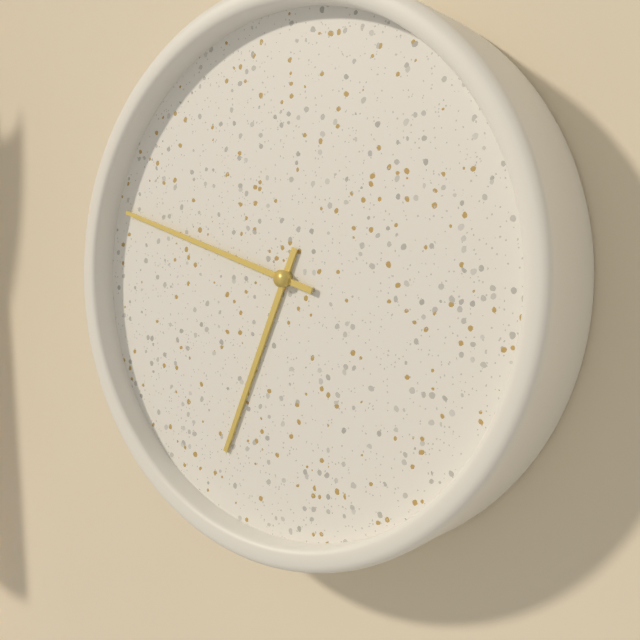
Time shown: {"hour": 6, "minute": 48}
